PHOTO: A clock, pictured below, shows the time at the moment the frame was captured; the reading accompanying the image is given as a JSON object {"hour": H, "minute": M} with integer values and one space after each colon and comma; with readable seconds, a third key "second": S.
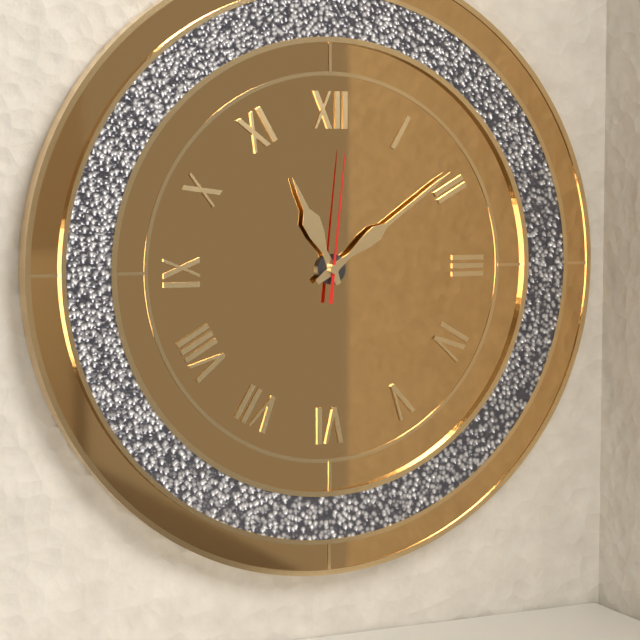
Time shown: {"hour": 11, "minute": 9, "second": 1}
